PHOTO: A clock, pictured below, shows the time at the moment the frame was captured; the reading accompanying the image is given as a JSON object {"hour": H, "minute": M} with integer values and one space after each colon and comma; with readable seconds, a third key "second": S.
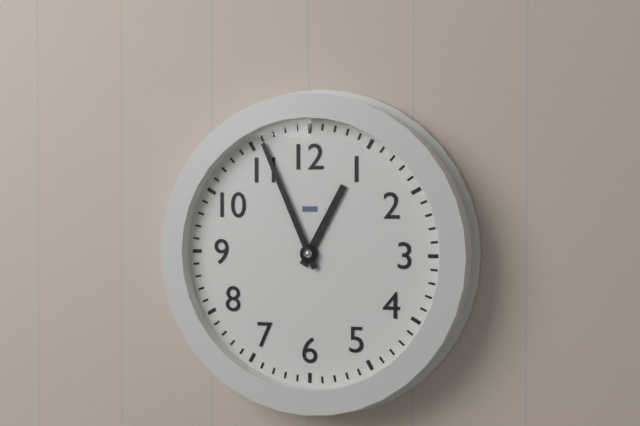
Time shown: {"hour": 12, "minute": 56}
